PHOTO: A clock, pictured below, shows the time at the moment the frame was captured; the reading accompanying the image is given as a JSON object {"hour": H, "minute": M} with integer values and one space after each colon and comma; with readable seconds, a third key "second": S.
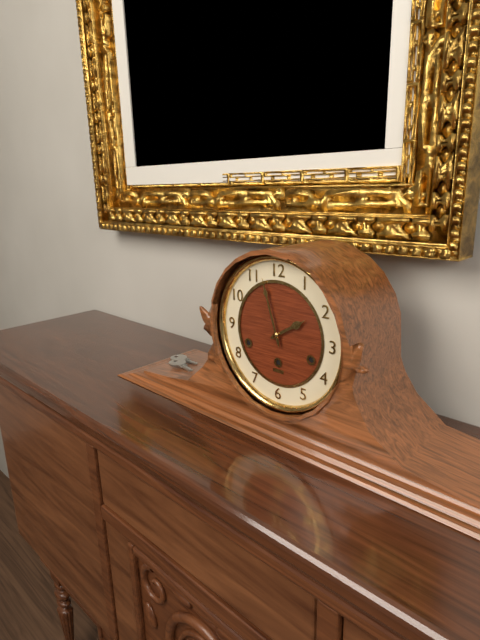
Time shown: {"hour": 1, "minute": 57}
